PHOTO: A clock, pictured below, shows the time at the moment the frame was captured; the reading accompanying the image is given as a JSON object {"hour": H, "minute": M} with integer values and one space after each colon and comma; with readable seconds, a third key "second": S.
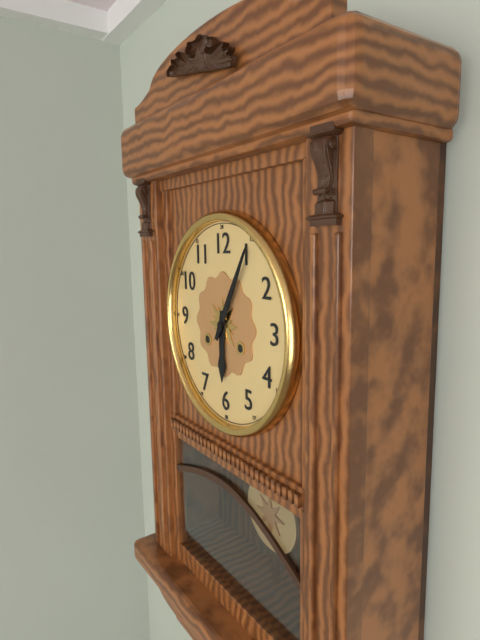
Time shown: {"hour": 6, "minute": 5}
